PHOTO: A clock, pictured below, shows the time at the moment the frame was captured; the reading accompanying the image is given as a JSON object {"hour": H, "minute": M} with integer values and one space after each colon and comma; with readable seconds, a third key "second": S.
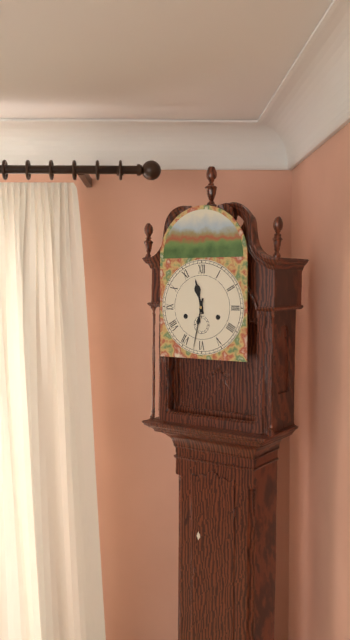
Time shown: {"hour": 11, "minute": 32}
